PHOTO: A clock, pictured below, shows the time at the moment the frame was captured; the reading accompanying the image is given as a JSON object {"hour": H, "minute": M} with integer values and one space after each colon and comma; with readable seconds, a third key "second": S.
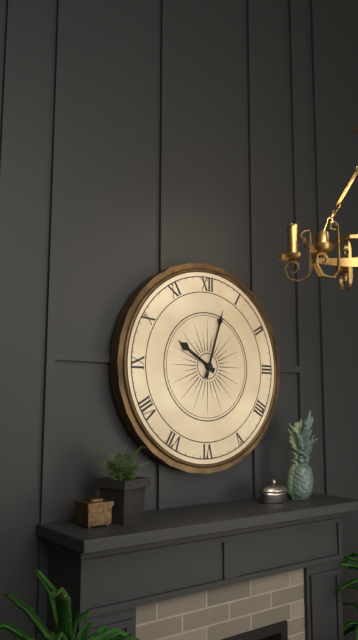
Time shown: {"hour": 10, "minute": 3}
